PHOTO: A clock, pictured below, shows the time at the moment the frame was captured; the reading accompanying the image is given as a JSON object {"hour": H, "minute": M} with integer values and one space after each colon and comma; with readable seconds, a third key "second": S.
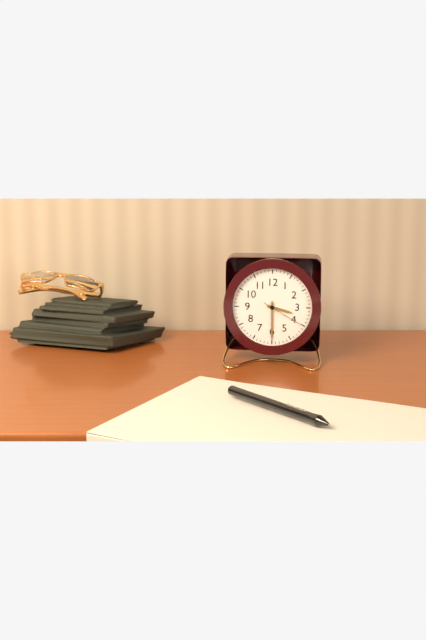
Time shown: {"hour": 3, "minute": 30}
